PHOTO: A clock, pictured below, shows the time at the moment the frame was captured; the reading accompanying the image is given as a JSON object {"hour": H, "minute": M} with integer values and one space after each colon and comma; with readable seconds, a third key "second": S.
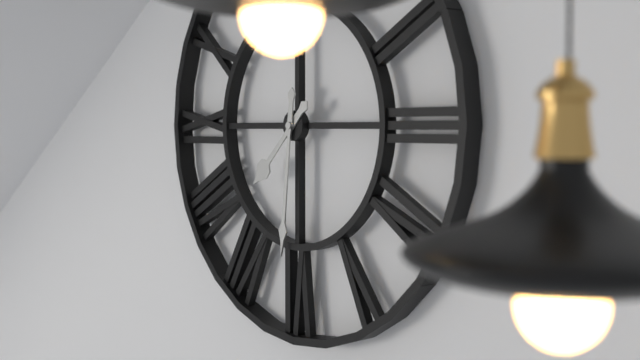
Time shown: {"hour": 7, "minute": 31}
